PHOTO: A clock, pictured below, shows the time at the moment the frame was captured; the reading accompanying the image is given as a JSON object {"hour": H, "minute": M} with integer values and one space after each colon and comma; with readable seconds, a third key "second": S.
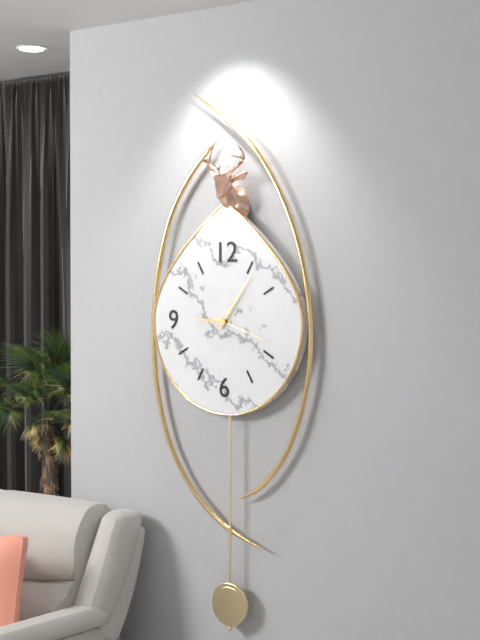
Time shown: {"hour": 9, "minute": 6, "second": 18}
